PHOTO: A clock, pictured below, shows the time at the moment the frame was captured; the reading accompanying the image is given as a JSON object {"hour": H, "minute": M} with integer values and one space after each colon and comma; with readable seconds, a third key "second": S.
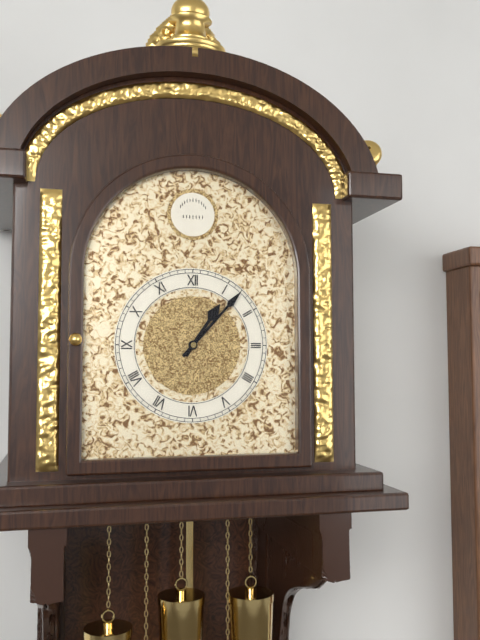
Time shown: {"hour": 1, "minute": 7}
